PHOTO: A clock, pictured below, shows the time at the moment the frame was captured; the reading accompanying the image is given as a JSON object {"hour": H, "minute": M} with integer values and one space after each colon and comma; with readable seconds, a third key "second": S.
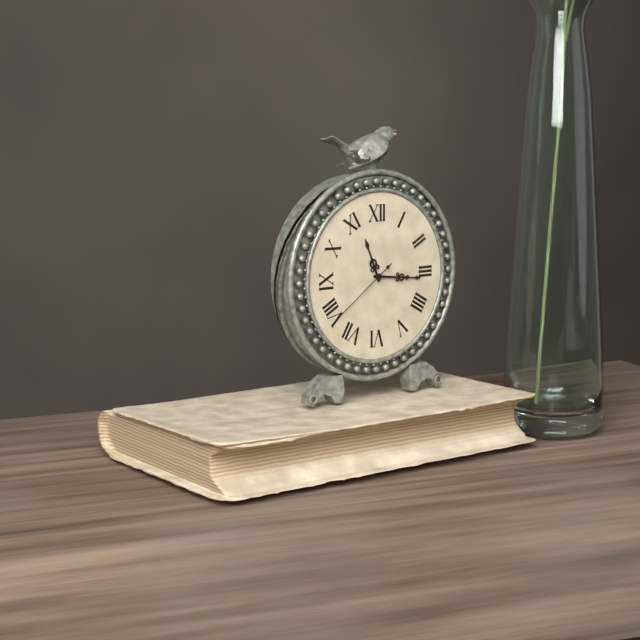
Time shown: {"hour": 11, "minute": 16, "second": 39}
